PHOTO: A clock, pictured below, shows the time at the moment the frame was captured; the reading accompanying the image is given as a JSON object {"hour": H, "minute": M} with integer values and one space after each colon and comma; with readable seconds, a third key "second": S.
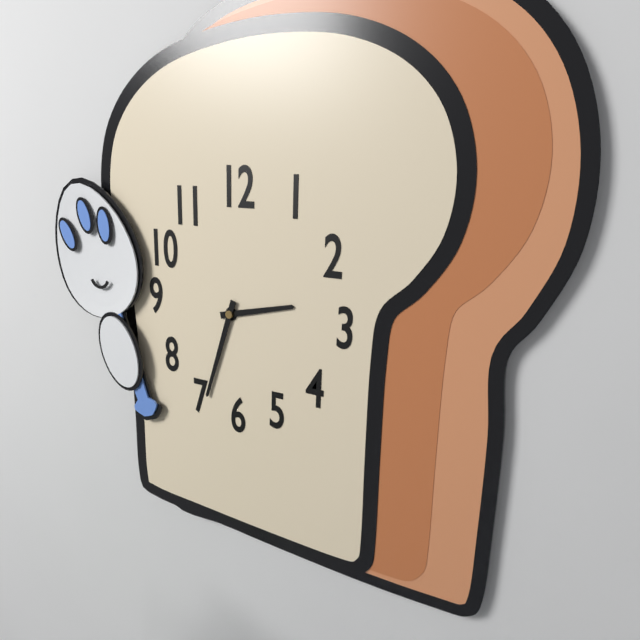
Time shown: {"hour": 2, "minute": 33}
